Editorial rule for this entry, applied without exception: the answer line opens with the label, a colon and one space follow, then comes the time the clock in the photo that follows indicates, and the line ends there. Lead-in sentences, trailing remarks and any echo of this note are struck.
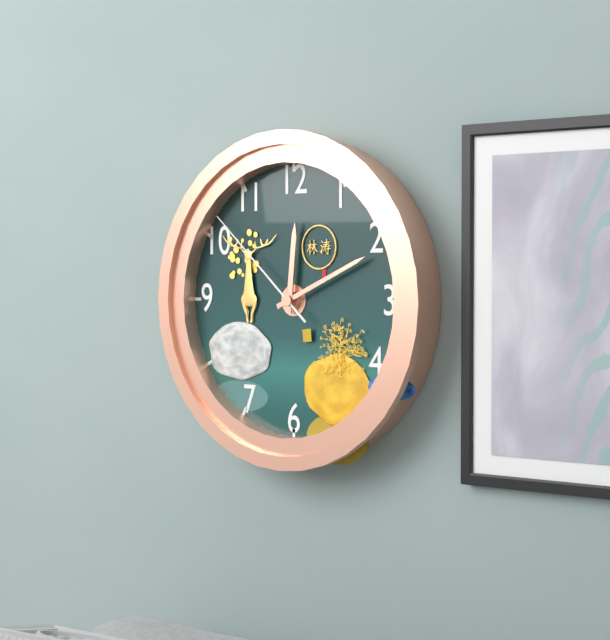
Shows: 12:11:52
